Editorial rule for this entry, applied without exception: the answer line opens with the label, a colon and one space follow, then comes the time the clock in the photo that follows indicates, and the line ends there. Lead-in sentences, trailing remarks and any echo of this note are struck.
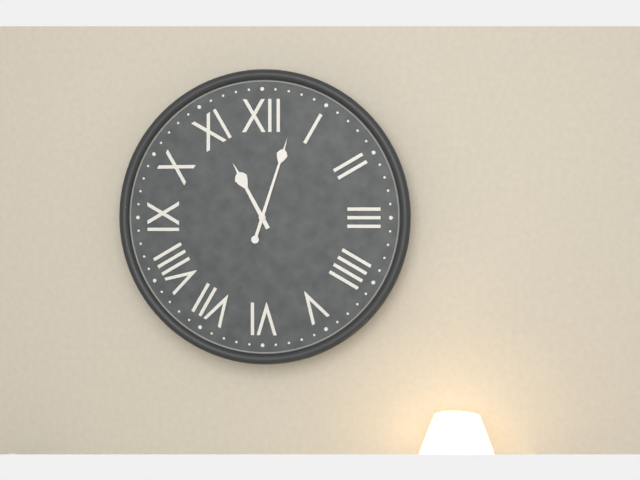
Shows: 11:03
